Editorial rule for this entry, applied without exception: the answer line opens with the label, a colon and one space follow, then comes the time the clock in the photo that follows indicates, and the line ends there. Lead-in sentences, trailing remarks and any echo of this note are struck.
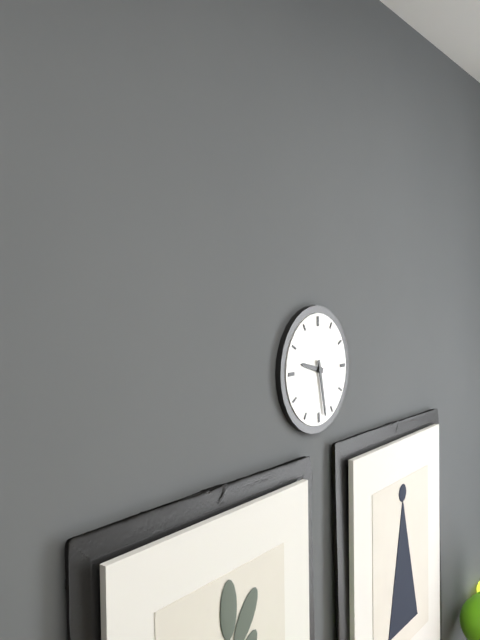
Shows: 9:28
